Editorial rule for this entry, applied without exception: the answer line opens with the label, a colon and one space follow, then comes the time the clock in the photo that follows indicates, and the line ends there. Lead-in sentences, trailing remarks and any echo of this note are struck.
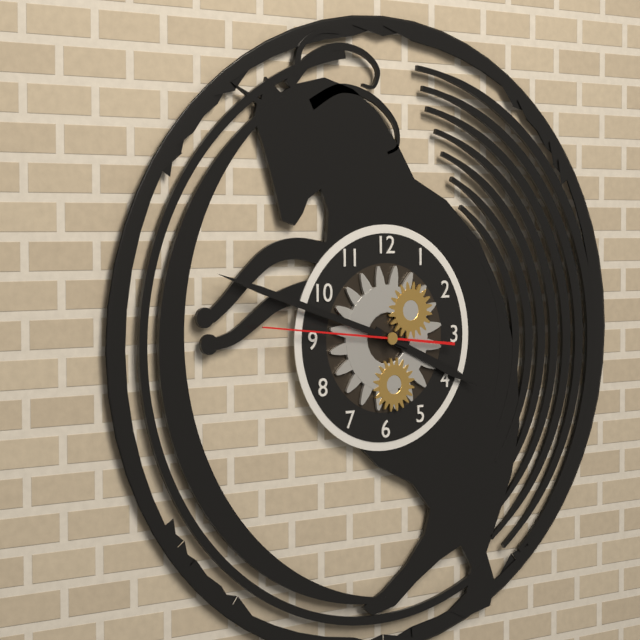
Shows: 3:48:46
